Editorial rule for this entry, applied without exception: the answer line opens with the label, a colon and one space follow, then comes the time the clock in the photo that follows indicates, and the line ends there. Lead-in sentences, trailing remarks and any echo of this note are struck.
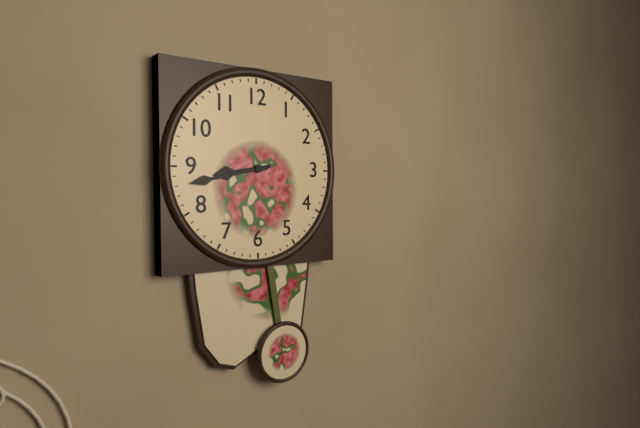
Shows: 8:43
